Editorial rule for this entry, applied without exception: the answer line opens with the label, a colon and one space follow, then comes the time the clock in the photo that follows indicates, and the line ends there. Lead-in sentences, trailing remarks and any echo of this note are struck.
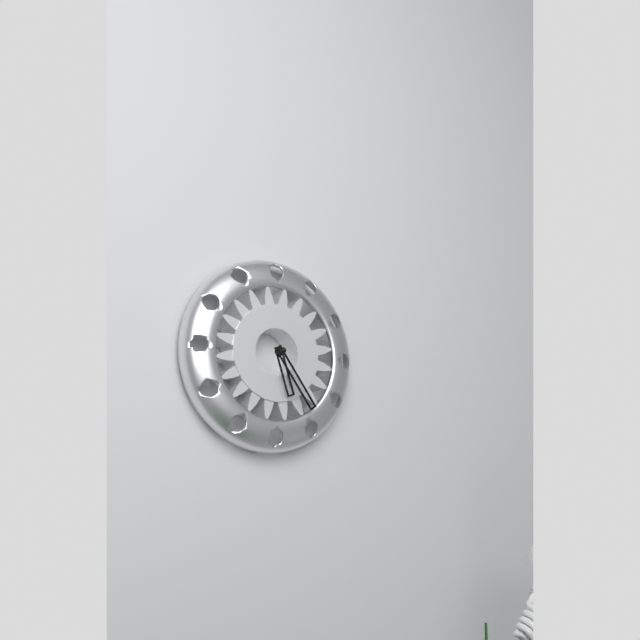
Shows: 5:24
